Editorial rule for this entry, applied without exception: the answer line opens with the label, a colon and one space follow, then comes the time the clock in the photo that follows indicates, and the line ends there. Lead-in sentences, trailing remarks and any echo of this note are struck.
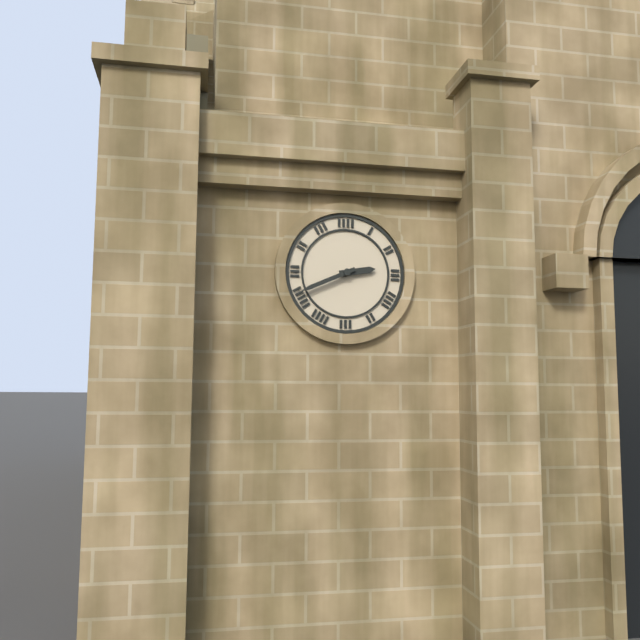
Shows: 2:41
